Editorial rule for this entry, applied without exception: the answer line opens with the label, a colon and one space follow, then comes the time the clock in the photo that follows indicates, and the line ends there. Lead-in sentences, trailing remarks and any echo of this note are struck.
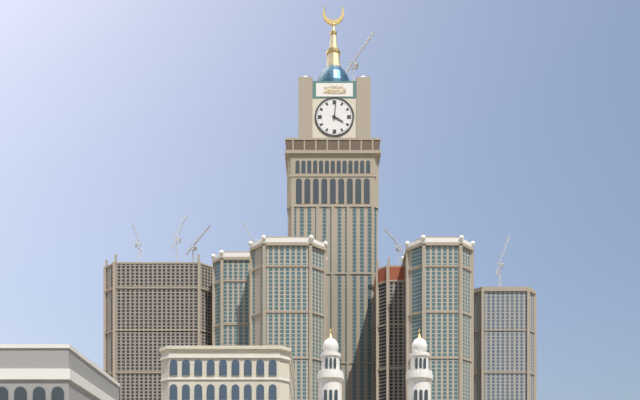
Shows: 4:01
